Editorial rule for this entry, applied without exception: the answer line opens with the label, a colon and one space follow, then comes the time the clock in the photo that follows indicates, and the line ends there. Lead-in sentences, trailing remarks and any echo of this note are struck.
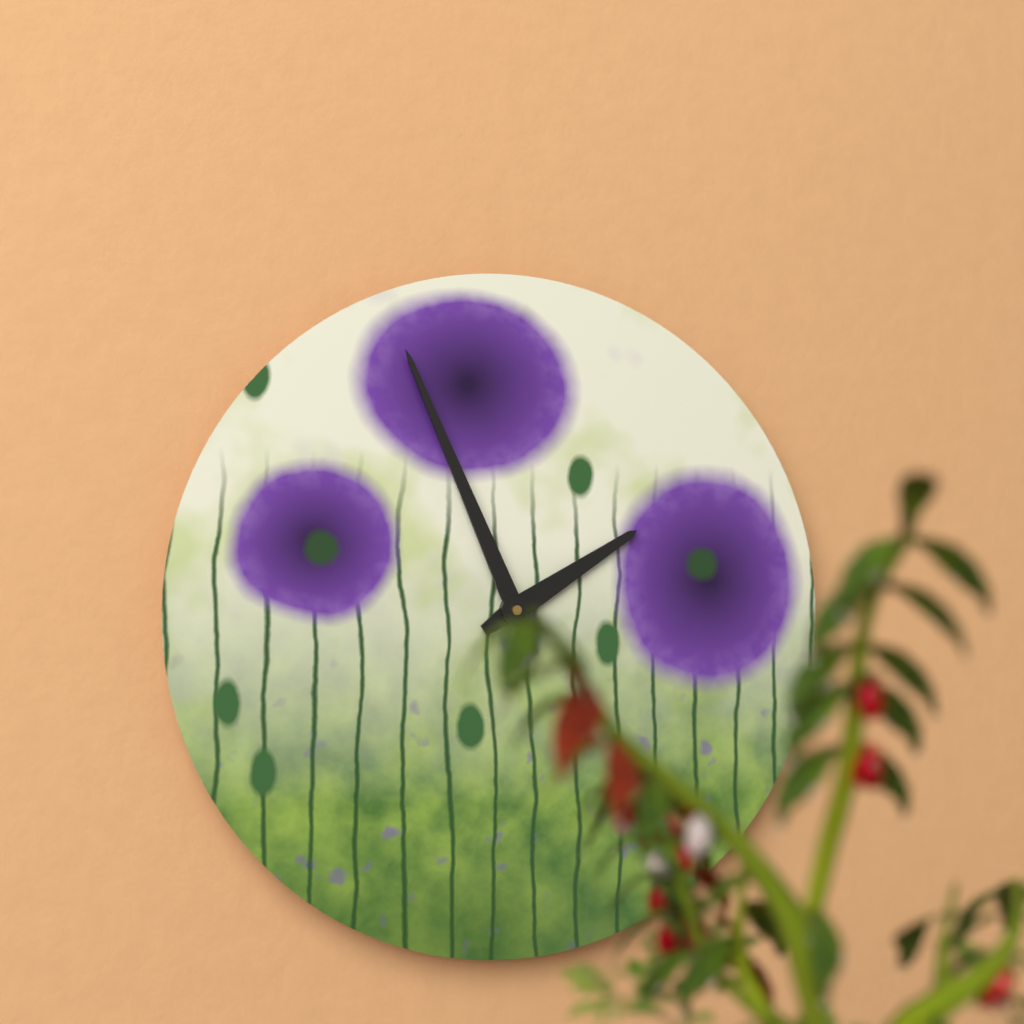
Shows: 1:56
